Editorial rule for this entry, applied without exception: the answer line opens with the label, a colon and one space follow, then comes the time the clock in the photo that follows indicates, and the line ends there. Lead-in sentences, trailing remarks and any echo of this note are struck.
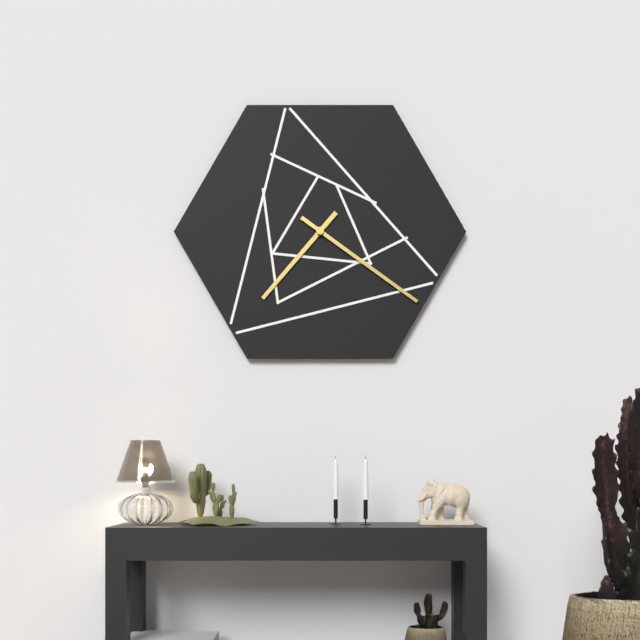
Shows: 7:21
